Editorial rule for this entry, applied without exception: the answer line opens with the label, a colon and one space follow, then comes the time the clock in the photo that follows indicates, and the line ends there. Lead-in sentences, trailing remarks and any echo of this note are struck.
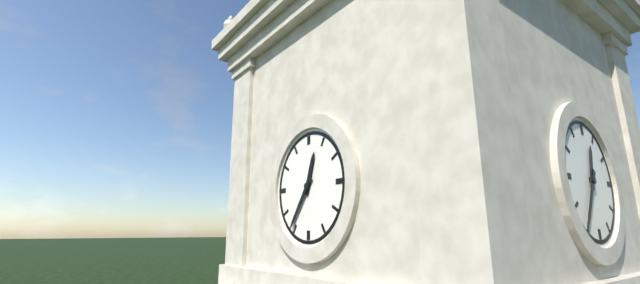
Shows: 12:36
